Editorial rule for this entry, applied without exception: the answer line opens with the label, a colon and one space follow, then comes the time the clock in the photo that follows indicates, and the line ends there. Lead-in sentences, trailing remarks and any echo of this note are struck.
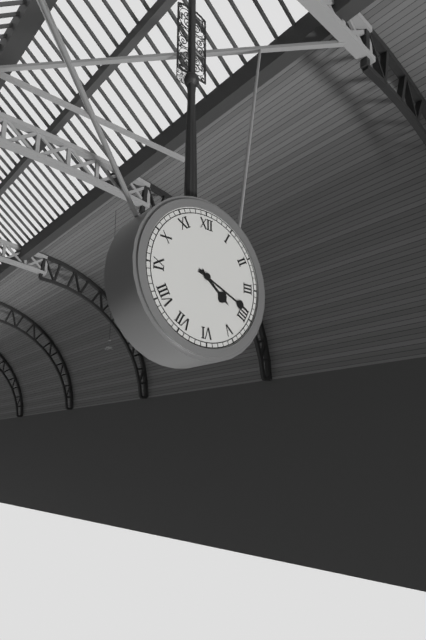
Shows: 4:19
